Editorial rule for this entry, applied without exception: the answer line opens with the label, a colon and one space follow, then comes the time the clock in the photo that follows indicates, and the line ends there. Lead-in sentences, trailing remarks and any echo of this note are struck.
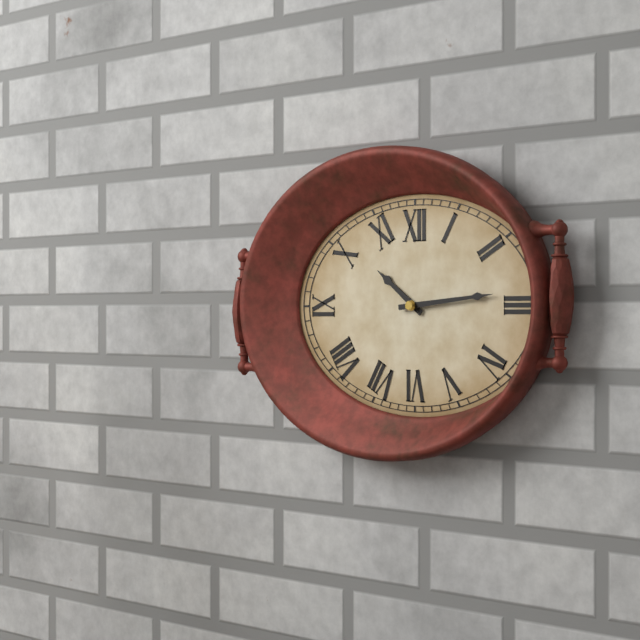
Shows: 10:14
